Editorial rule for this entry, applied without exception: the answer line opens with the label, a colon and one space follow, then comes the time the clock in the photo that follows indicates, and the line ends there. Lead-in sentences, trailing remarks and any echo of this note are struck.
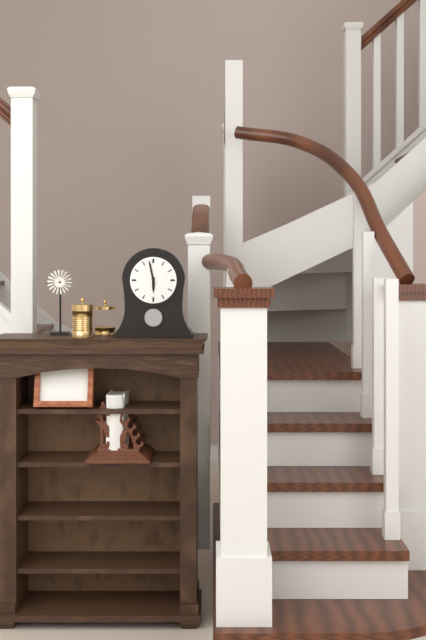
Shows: 5:58
